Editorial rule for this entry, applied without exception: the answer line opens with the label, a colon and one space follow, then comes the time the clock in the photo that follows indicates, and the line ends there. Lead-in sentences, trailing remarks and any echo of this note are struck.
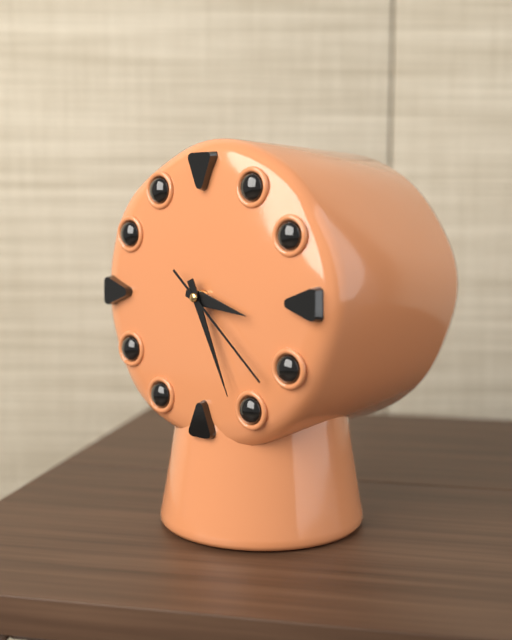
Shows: 3:26:22
